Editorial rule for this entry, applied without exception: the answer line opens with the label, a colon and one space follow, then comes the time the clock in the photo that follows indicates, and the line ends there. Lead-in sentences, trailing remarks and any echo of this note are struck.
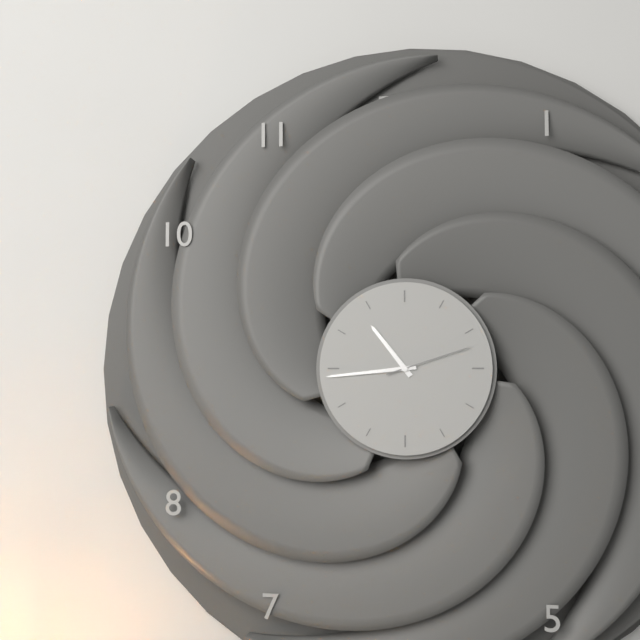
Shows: 10:44:12
